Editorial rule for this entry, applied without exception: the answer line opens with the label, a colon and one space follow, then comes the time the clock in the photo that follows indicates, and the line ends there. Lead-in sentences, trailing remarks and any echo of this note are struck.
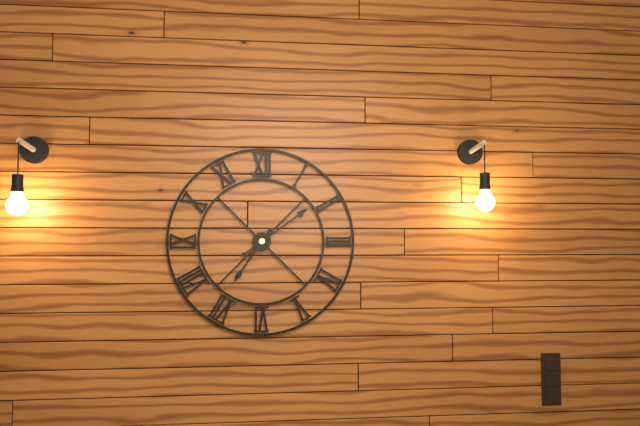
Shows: 7:09
